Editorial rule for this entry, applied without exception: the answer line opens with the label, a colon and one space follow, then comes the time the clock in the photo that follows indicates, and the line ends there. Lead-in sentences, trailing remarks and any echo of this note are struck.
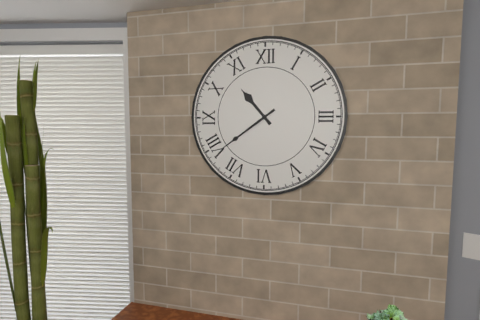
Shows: 10:39
